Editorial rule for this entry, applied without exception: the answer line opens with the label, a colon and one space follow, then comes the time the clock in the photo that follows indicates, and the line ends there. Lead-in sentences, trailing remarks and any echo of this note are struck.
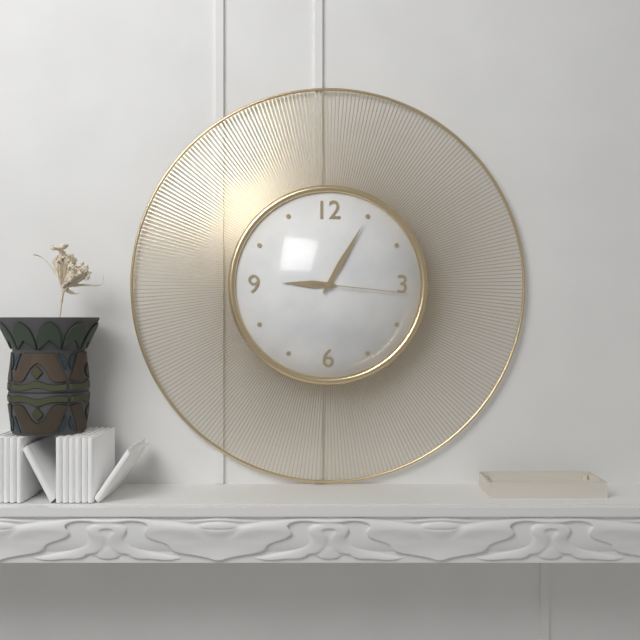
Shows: 9:05:16
